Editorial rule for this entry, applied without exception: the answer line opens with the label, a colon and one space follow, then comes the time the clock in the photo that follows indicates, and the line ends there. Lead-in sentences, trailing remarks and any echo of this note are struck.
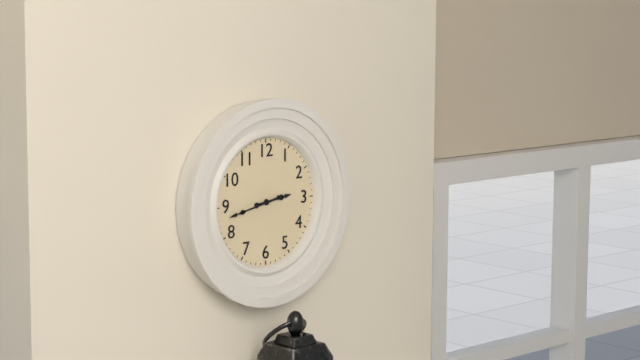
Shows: 2:43
